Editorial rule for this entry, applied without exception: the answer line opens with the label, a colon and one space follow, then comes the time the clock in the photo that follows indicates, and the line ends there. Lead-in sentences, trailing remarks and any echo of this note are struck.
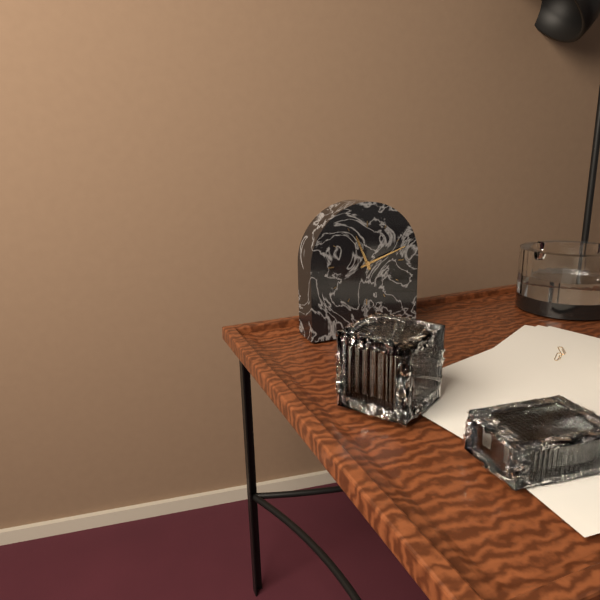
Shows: 11:12
